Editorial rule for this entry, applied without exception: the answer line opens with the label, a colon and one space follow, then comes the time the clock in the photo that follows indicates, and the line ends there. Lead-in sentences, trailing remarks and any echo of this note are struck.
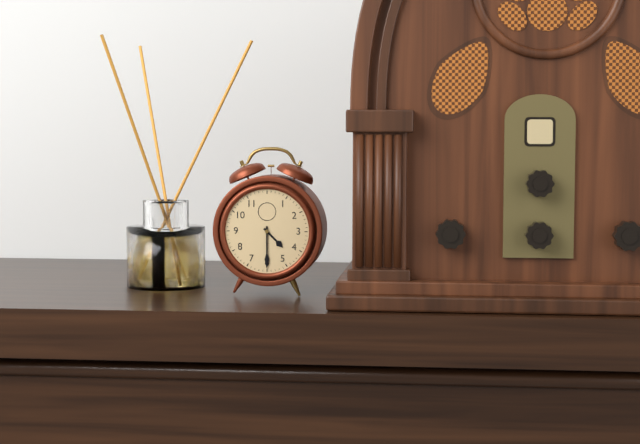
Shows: 4:30
